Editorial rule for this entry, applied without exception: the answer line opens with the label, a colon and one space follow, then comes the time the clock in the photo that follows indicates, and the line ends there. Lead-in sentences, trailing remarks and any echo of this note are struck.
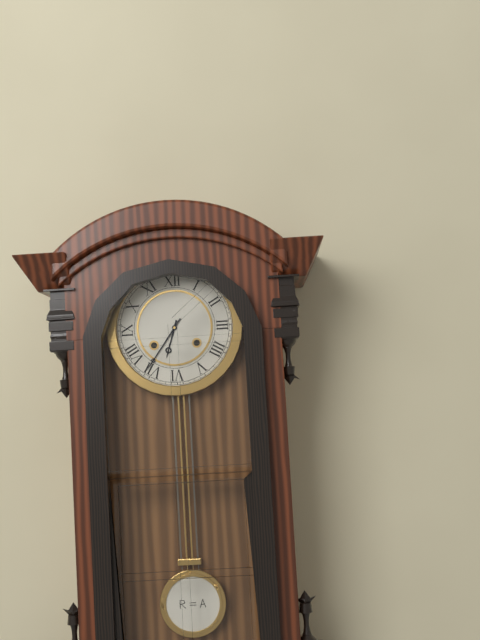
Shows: 6:36
